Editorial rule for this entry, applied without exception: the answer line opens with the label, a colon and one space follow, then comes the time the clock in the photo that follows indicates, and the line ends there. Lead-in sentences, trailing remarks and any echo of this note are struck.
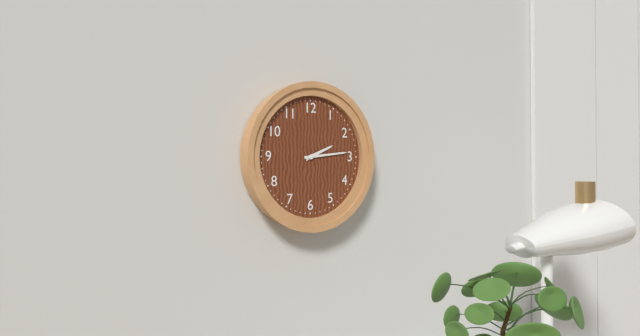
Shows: 2:14
